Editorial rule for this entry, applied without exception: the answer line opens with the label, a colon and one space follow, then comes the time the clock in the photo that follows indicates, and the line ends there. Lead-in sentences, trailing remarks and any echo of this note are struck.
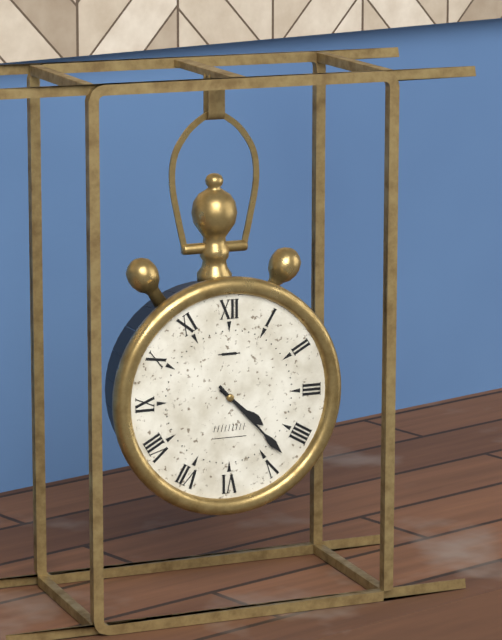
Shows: 4:23
